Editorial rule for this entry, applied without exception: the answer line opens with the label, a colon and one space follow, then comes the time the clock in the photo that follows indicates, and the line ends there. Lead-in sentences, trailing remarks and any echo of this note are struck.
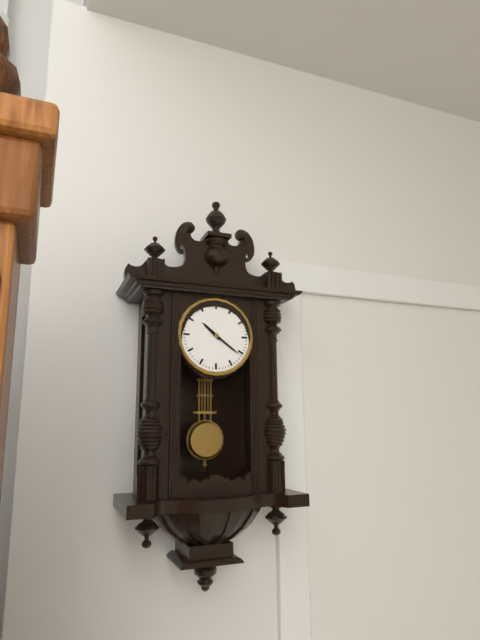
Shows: 10:21
